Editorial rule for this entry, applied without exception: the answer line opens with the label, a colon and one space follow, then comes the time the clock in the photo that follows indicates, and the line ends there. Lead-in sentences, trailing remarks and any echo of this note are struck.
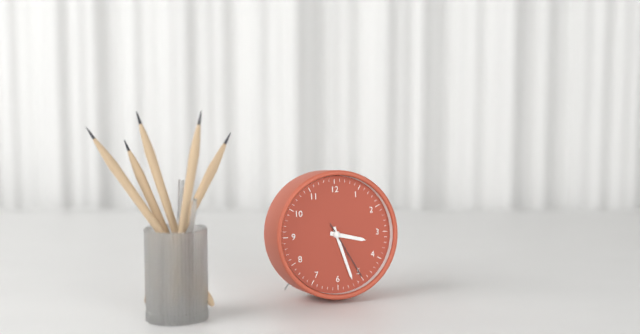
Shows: 3:27:25
